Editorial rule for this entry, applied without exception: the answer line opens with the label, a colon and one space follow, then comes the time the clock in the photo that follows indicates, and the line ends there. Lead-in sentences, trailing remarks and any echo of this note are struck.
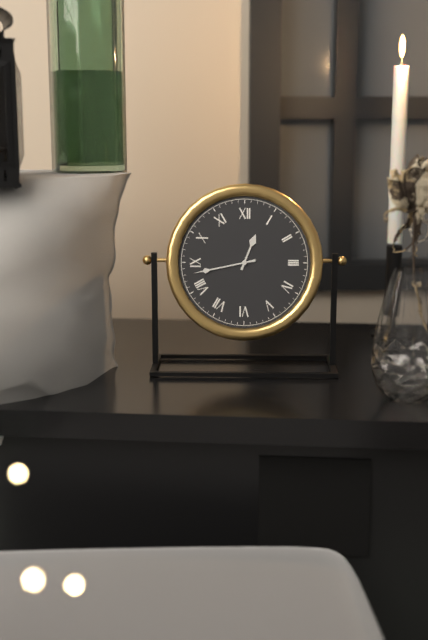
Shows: 12:43
